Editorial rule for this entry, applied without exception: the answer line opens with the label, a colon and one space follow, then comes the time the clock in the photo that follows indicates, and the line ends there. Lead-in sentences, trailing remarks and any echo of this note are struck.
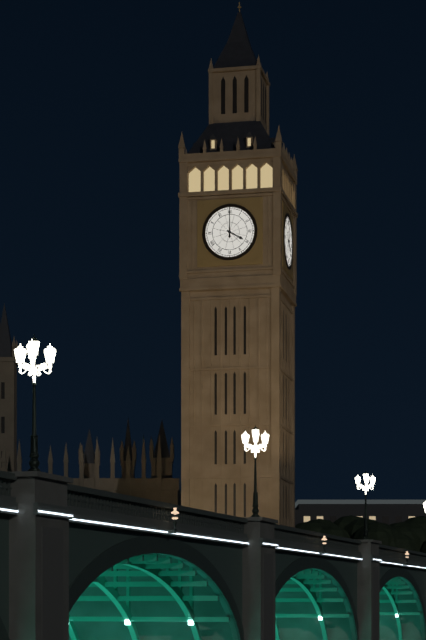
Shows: 4:00
